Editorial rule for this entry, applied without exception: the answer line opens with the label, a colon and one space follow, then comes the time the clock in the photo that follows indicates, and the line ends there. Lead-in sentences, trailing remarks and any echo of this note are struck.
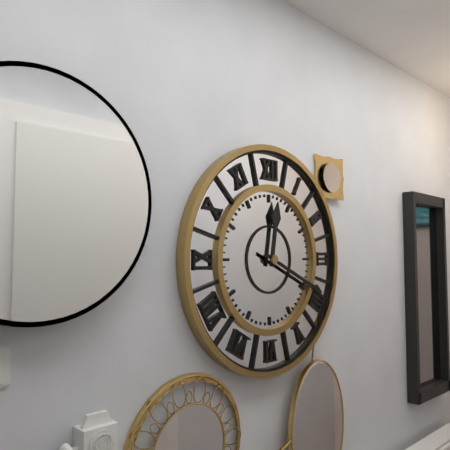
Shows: 12:19
